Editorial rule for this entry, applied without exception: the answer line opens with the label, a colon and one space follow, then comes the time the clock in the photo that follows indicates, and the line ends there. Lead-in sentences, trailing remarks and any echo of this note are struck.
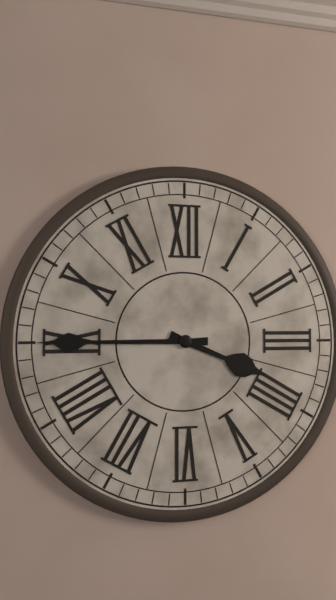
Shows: 3:45
